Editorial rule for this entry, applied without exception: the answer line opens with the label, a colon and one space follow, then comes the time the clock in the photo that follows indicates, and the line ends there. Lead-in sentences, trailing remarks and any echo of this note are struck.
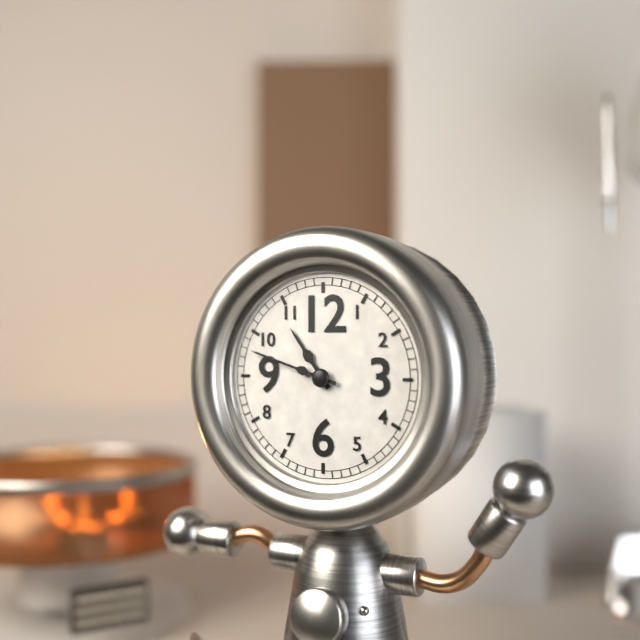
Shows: 10:48
